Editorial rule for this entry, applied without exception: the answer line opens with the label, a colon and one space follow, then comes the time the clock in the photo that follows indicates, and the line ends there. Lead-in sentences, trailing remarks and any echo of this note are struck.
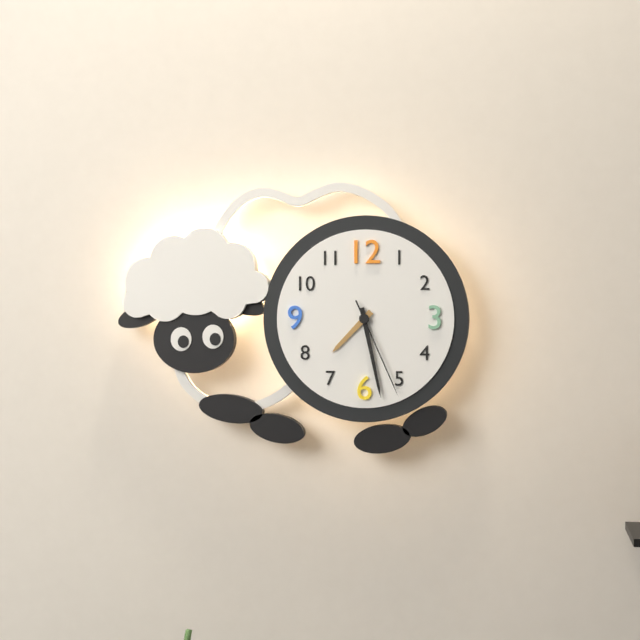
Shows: 7:28:26
